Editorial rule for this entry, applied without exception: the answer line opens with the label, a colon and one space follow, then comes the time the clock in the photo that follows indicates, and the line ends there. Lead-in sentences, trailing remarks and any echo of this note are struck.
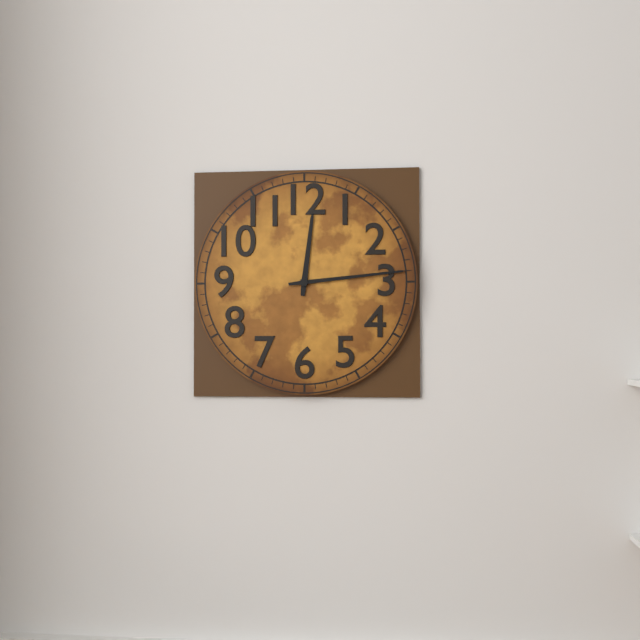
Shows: 12:14
